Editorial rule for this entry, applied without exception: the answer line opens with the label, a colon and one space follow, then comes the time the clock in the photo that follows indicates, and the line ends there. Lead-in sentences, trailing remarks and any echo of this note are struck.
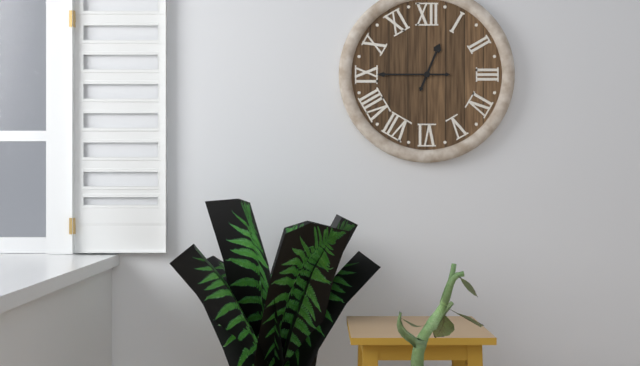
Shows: 12:45
